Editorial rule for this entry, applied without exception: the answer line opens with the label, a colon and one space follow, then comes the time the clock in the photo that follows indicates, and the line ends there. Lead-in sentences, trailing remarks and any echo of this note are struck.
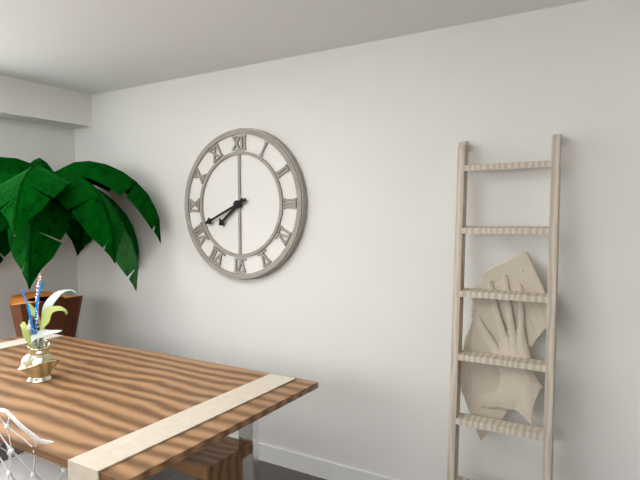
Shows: 7:41
